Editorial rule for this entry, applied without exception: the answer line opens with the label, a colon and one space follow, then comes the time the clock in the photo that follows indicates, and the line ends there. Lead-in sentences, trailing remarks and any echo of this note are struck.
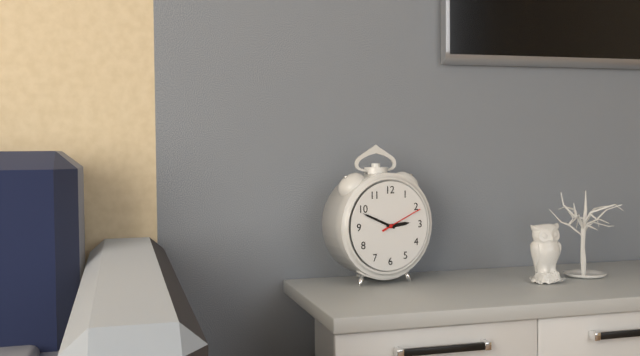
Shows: 2:49
